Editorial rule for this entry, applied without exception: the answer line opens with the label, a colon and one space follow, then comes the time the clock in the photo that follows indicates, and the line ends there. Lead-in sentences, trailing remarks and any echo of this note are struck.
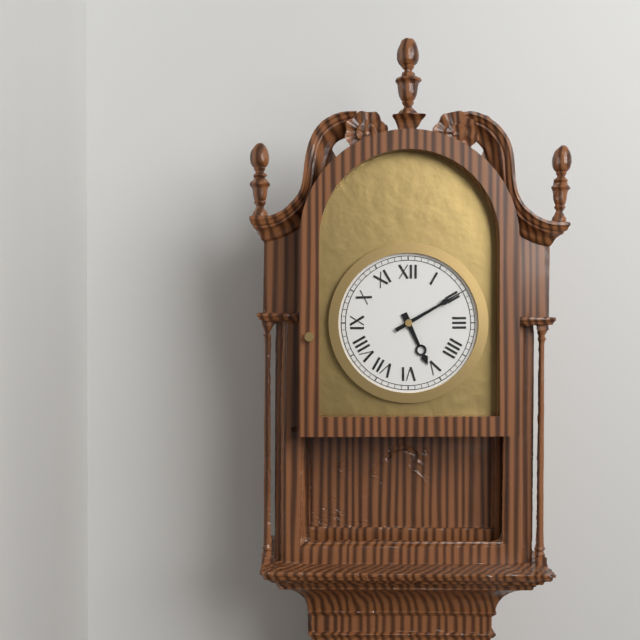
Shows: 5:10
